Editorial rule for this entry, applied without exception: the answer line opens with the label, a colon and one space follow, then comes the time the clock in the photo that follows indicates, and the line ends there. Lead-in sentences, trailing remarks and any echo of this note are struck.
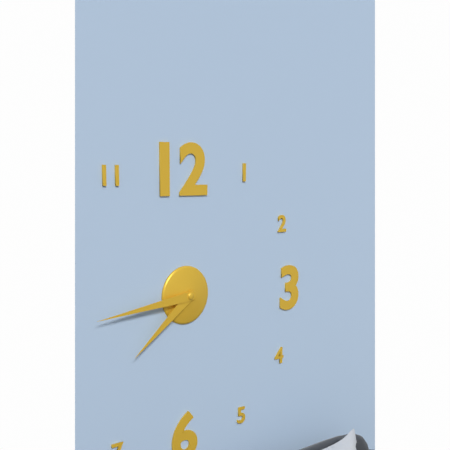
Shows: 7:44
